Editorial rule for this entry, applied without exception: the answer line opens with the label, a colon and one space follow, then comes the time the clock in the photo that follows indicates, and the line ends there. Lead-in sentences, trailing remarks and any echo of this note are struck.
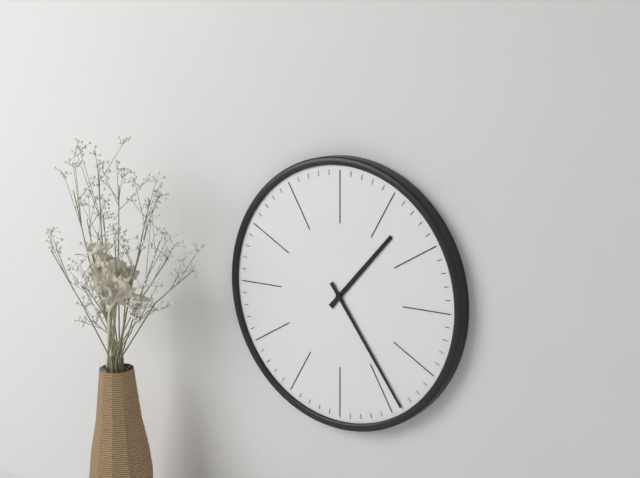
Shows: 1:24
